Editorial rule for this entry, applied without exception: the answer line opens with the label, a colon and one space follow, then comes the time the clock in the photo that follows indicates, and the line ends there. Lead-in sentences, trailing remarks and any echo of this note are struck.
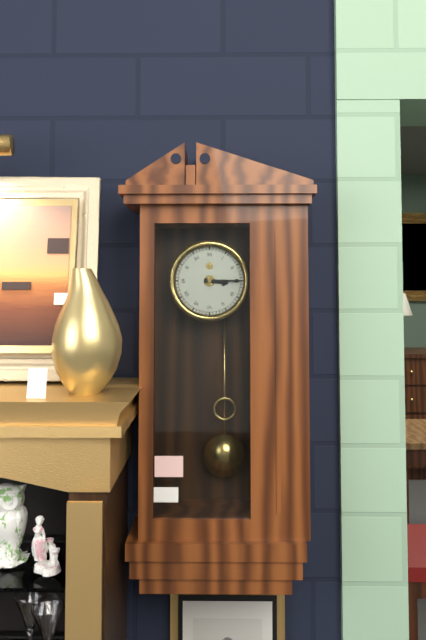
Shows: 3:15
